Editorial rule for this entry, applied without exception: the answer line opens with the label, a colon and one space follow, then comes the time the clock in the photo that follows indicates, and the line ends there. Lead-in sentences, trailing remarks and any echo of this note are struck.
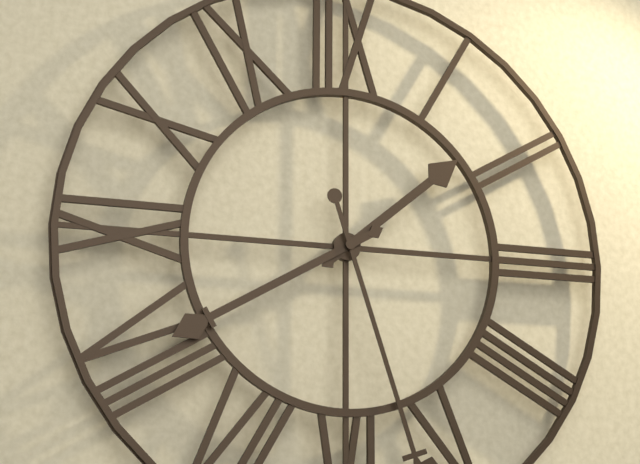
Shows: 1:40
